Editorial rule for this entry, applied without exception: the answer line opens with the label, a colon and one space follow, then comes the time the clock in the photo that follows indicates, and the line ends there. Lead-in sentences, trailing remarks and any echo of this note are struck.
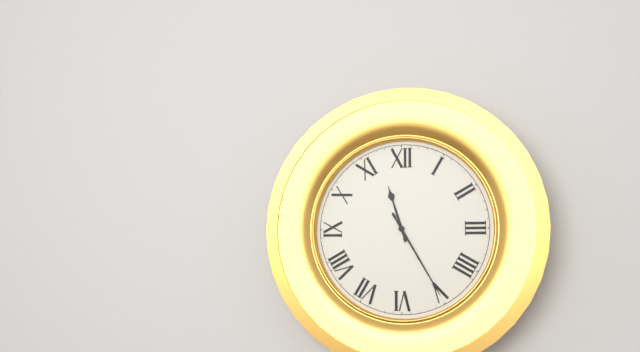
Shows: 11:25
